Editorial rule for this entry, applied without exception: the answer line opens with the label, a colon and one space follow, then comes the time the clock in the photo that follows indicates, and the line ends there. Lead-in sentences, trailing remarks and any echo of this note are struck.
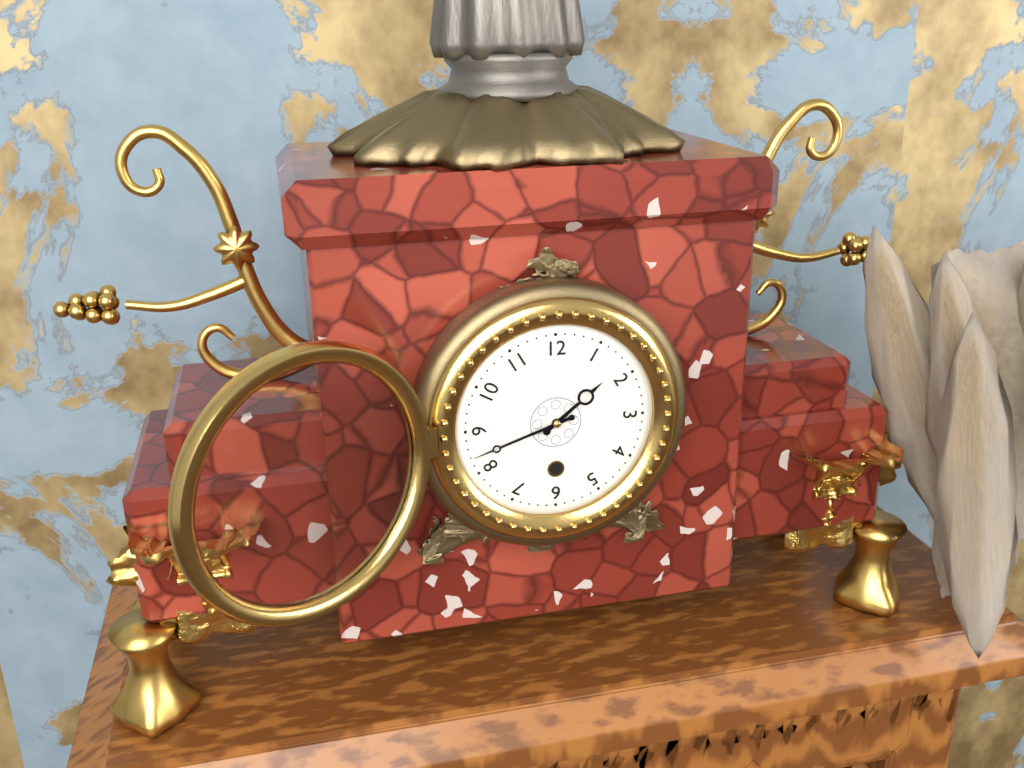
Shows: 1:42
